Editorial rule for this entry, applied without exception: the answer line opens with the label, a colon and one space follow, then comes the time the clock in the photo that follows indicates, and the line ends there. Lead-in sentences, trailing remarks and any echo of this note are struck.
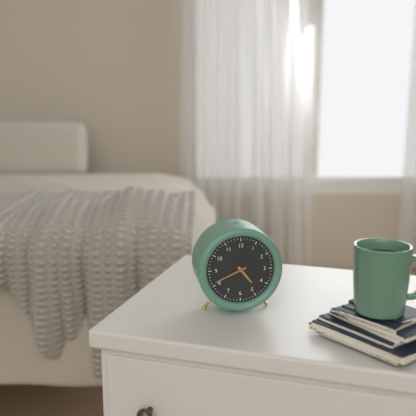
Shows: 4:41
